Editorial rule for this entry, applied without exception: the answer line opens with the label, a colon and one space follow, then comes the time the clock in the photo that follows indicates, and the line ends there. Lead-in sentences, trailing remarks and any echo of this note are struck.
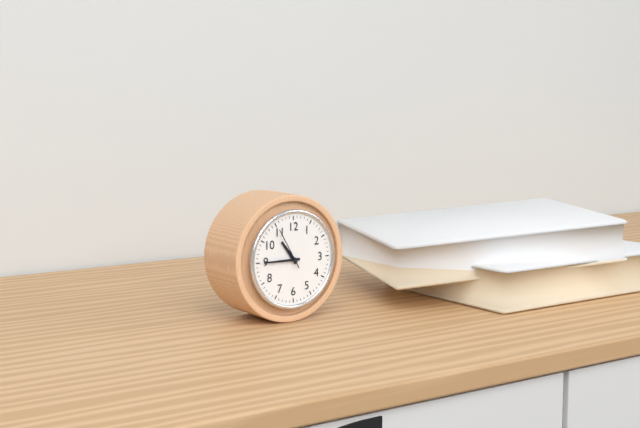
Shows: 10:45
